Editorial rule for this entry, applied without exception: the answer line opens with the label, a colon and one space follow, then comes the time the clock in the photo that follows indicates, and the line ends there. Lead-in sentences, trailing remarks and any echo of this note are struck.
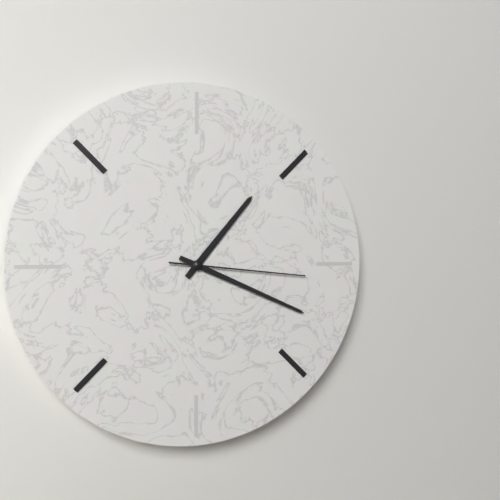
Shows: 1:19:16
